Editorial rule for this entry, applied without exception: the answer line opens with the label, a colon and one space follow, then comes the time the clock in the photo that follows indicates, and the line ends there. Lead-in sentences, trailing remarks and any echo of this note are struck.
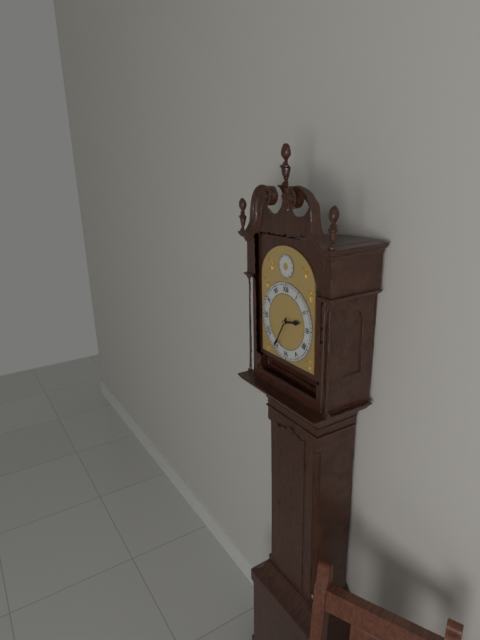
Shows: 2:35
